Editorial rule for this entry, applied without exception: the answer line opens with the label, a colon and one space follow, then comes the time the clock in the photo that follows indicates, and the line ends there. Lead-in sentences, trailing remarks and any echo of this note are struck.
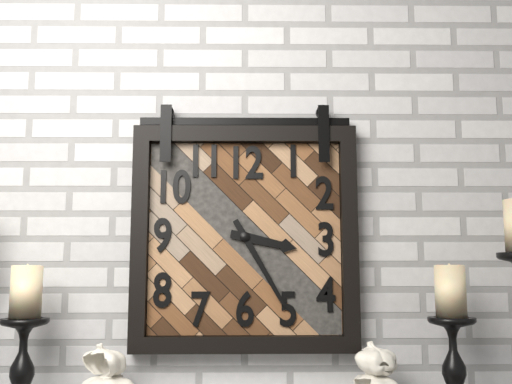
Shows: 3:25
